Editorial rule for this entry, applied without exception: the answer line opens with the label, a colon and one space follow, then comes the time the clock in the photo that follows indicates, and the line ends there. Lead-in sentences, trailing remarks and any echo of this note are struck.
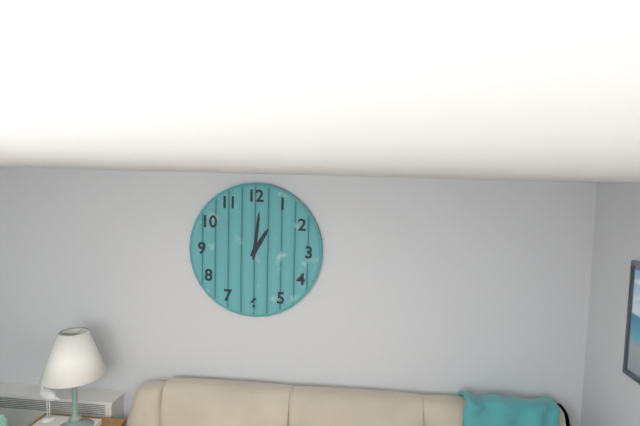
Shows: 1:01
